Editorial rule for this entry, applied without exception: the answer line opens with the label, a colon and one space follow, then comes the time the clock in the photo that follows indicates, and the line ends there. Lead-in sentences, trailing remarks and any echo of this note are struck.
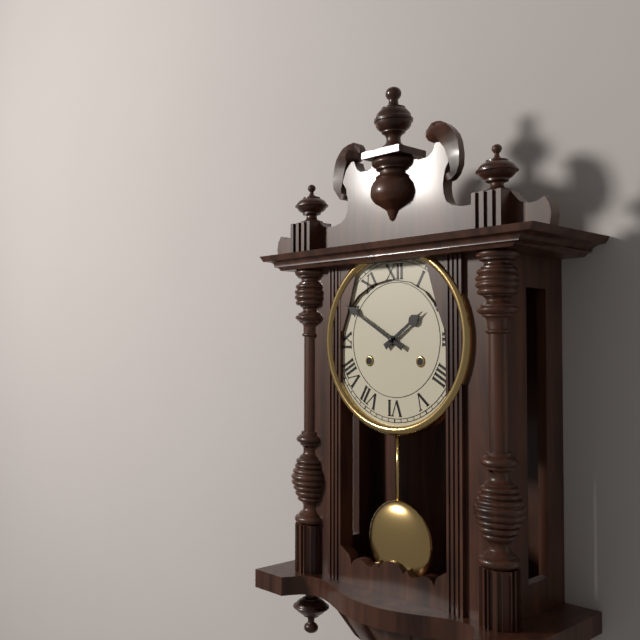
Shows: 1:50
